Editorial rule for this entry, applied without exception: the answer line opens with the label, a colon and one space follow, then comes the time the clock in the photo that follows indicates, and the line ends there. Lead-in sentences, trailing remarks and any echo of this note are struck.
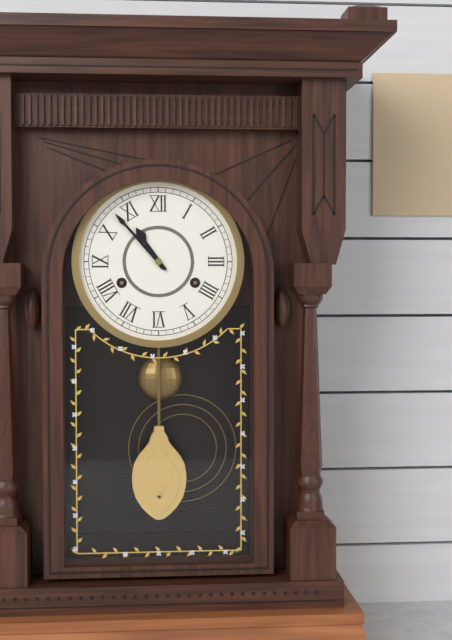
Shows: 10:53
